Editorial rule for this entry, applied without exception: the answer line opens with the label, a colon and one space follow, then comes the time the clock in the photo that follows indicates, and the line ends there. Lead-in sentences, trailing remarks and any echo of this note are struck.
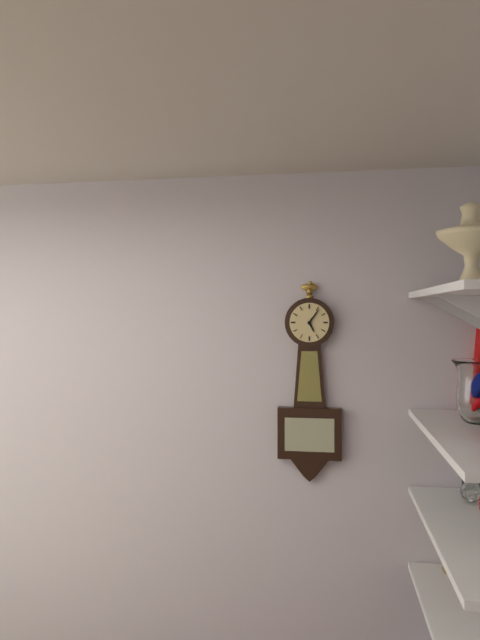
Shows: 5:06
